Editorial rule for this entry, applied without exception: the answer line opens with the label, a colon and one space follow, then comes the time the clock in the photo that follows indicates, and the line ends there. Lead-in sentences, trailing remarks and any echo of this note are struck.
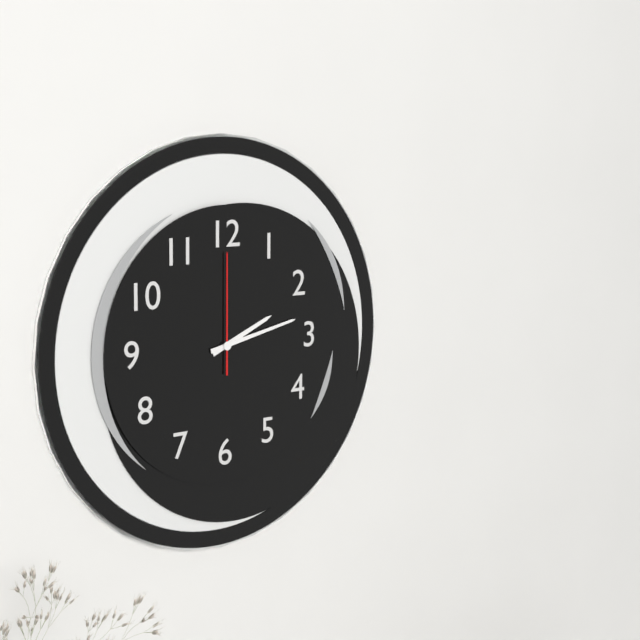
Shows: 2:13:00
